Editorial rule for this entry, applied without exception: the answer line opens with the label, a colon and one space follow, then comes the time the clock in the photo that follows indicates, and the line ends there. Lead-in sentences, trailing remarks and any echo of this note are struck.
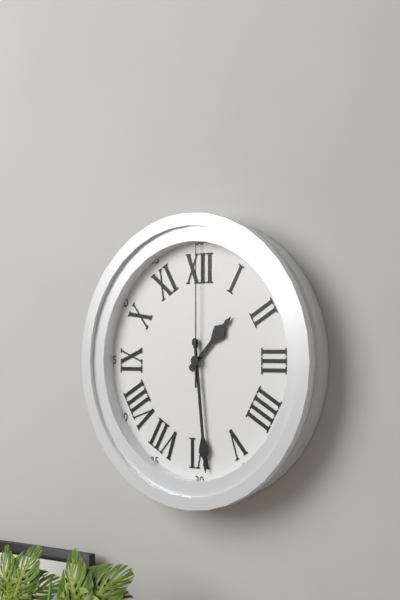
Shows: 1:29:00
